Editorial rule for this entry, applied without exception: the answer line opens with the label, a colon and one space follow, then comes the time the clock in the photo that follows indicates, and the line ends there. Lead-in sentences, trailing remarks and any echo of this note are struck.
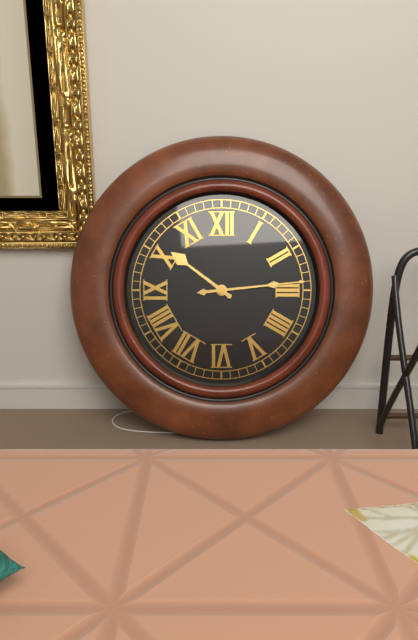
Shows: 10:14
